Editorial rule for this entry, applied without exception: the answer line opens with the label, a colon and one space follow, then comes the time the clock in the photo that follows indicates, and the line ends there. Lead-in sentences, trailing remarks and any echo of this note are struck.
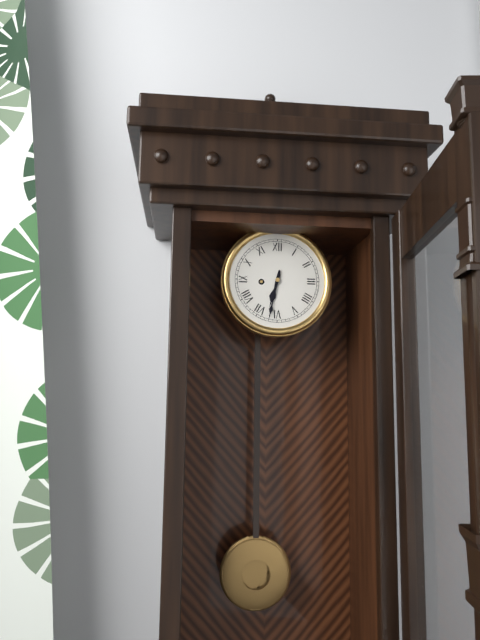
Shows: 6:32
